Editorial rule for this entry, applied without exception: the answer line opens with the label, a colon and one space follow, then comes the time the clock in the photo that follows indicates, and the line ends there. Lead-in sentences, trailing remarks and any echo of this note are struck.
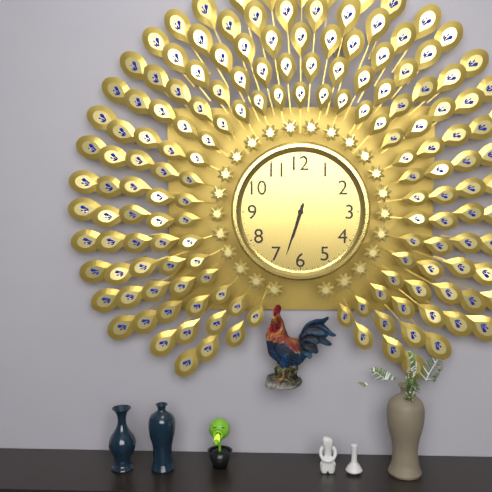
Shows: 6:33
